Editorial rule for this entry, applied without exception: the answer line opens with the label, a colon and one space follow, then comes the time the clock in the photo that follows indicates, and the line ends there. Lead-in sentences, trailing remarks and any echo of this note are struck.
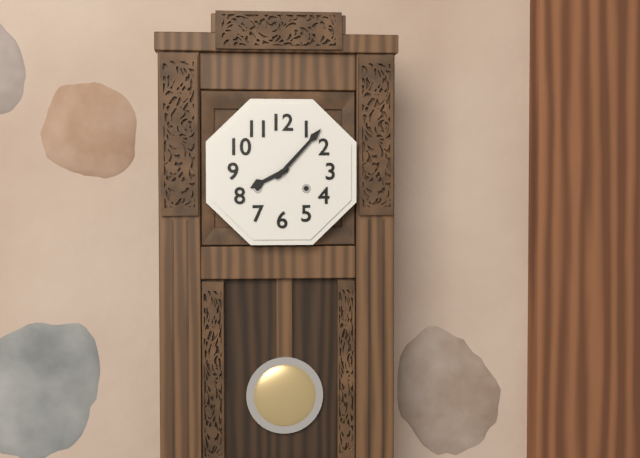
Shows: 8:07
